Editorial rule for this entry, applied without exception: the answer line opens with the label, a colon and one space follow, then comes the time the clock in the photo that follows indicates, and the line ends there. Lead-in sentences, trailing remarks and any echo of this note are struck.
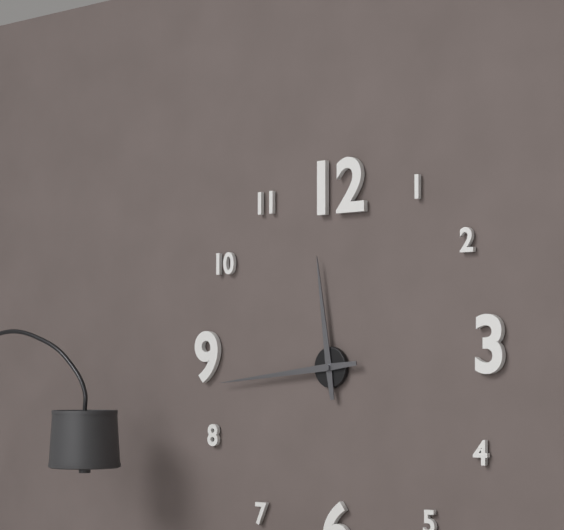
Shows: 11:44
